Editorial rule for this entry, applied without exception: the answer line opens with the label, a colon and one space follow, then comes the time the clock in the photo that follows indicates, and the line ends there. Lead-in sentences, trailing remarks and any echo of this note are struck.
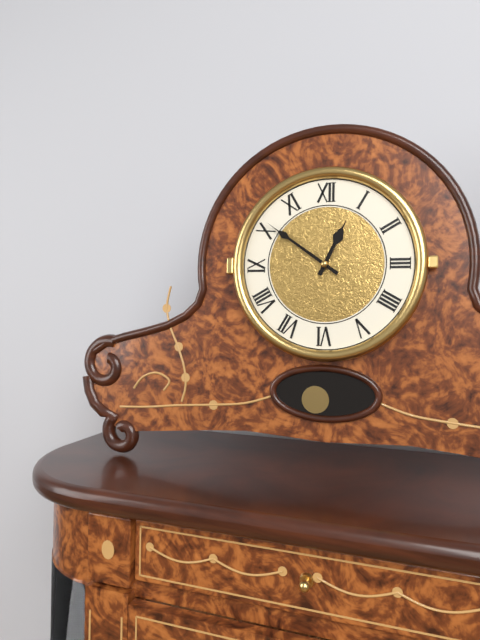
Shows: 12:51
